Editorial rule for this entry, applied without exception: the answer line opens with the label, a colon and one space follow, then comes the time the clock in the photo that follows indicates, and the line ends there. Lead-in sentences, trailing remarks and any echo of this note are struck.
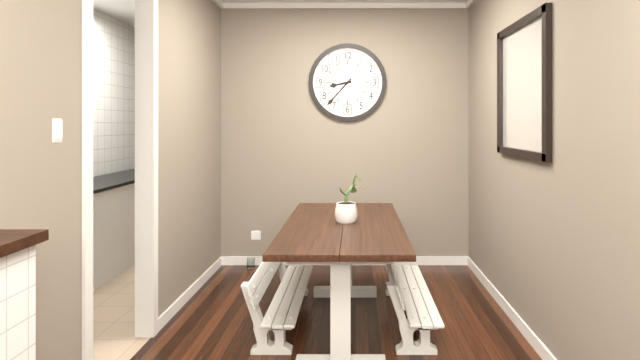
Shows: 8:37
